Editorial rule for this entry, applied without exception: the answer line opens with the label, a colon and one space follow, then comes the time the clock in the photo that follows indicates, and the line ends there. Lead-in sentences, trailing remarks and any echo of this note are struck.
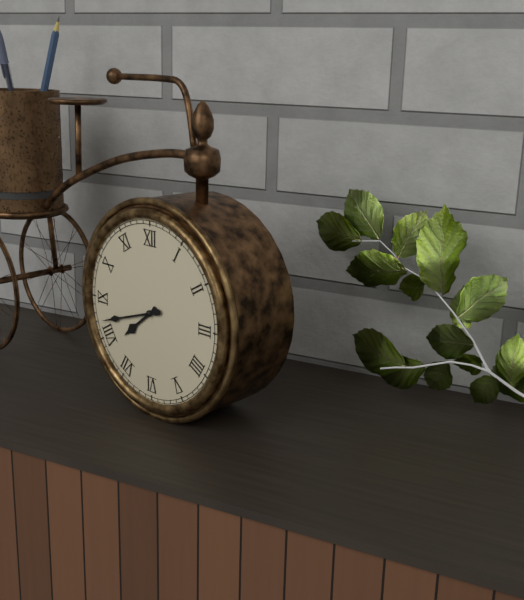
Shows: 7:42
